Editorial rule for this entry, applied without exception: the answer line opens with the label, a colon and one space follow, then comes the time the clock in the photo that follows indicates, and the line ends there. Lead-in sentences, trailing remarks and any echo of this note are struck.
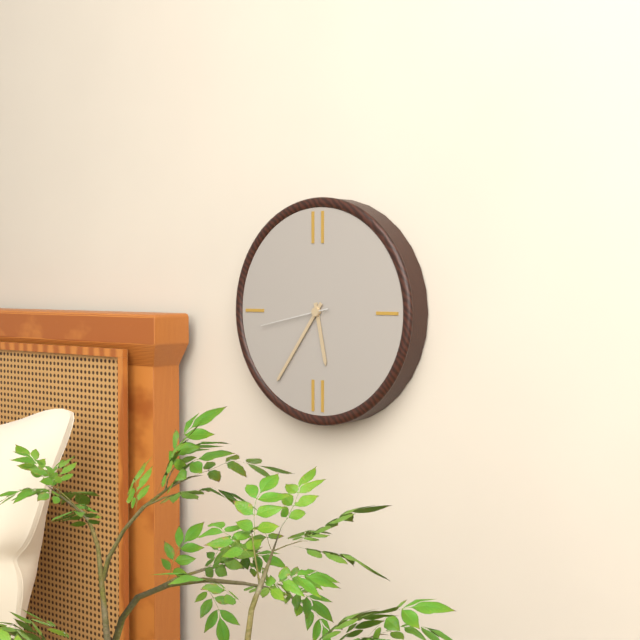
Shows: 5:36:43
